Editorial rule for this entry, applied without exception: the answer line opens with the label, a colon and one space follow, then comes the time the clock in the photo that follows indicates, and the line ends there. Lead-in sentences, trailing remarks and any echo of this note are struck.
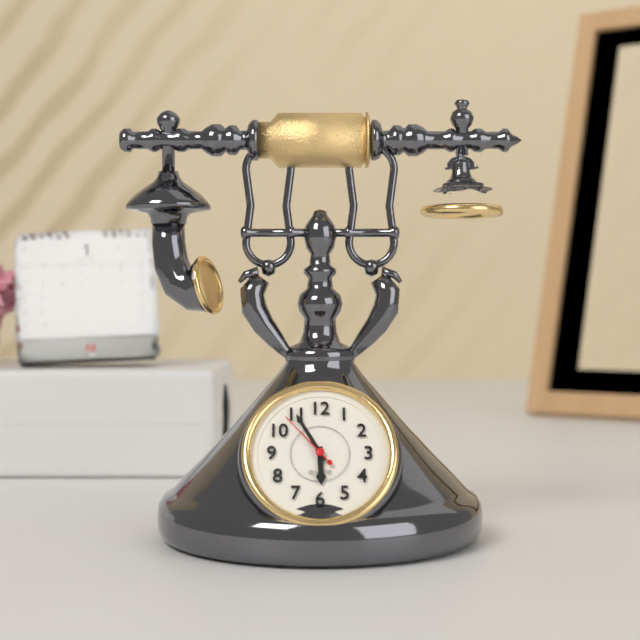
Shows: 5:55:53
